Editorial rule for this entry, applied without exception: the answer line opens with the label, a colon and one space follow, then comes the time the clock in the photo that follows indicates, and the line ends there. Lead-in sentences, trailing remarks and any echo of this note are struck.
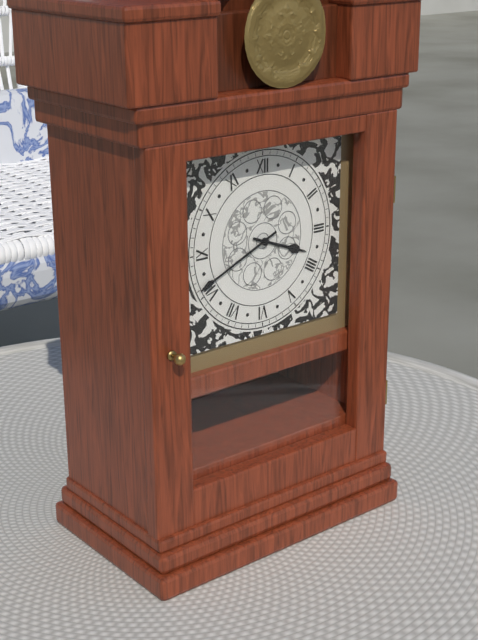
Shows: 3:41
